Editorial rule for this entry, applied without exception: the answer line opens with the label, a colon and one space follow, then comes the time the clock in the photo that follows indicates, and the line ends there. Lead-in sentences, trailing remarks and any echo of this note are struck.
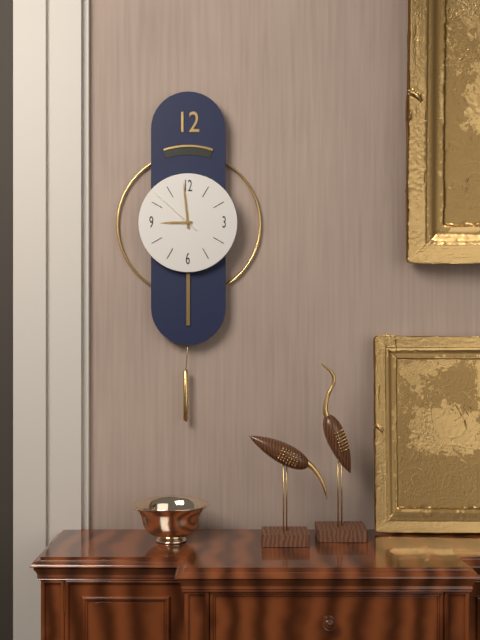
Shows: 8:59:52
